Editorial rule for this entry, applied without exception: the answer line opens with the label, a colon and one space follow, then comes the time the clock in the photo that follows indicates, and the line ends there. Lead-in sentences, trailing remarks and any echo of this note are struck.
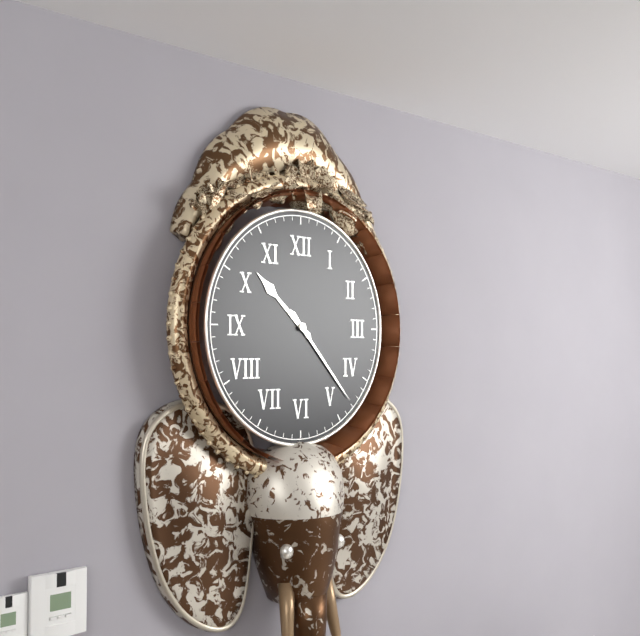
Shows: 10:23
